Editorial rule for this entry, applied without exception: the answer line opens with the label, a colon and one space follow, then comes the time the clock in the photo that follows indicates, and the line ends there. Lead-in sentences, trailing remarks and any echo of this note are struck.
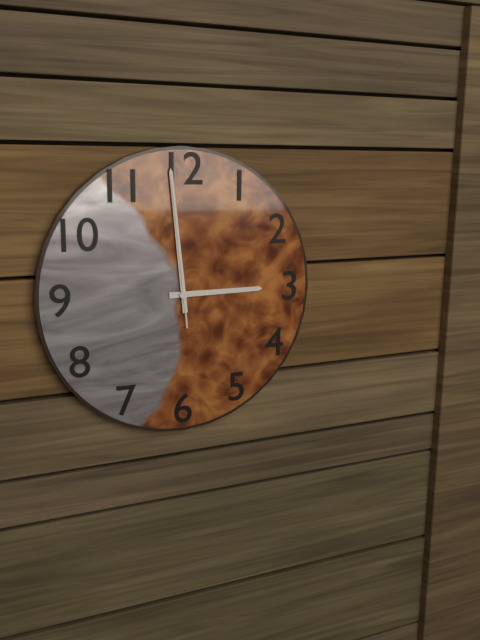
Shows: 2:59:59
